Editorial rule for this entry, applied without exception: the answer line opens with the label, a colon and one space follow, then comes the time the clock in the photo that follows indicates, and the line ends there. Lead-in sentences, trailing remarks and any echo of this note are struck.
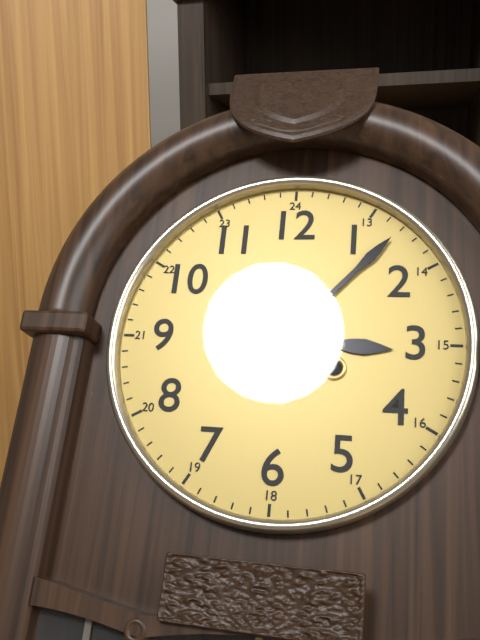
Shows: 3:07
